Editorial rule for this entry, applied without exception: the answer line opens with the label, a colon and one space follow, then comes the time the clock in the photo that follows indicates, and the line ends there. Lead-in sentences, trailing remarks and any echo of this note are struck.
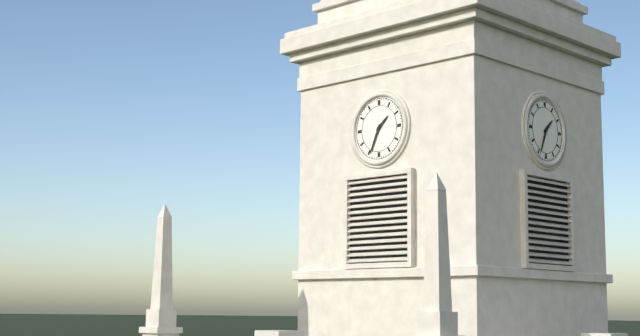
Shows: 1:34
